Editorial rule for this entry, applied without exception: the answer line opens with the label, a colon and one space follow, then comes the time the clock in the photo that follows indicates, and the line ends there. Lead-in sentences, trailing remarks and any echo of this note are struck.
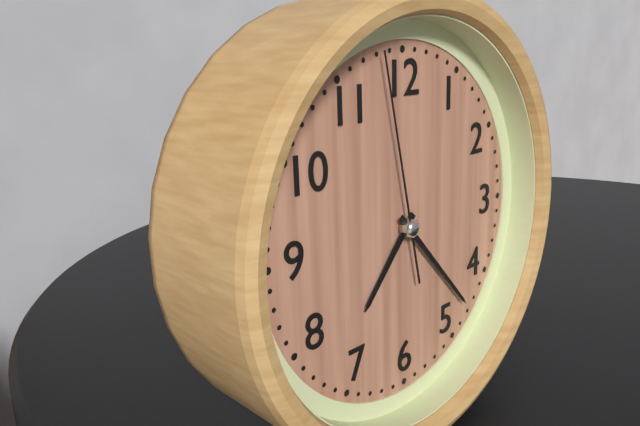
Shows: 7:23:58
